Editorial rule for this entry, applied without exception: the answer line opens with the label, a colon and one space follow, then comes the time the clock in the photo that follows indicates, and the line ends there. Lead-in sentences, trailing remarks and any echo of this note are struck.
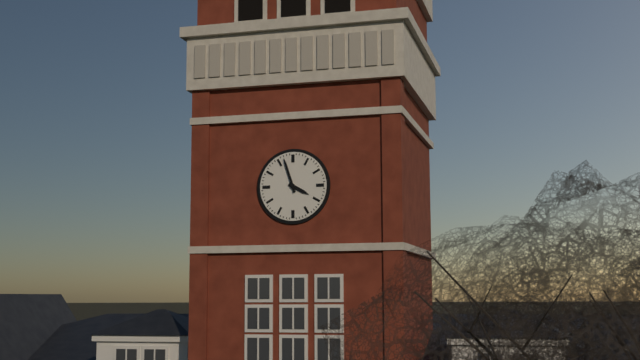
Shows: 3:57
